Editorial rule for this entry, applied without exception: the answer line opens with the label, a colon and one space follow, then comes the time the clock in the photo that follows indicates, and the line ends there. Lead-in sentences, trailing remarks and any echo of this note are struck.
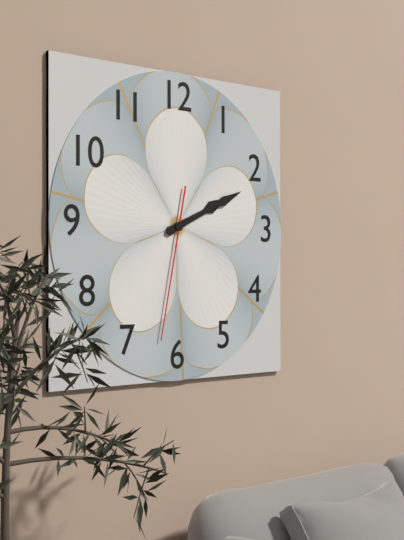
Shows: 2:11:32
